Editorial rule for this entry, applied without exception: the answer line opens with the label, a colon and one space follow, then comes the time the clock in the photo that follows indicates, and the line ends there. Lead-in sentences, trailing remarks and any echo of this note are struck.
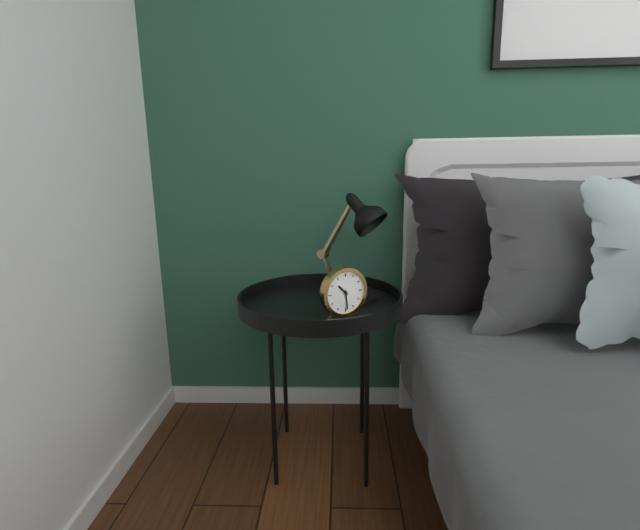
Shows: 10:29
